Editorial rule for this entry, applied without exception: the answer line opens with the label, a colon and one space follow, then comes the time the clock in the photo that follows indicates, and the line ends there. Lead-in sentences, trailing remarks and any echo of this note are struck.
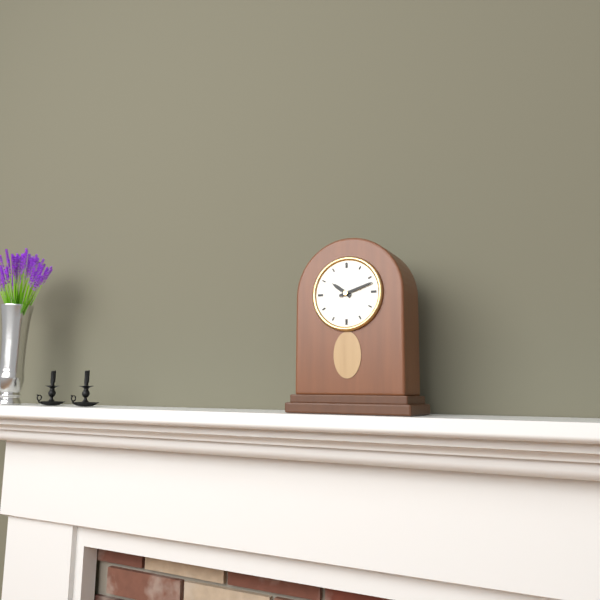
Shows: 10:12
